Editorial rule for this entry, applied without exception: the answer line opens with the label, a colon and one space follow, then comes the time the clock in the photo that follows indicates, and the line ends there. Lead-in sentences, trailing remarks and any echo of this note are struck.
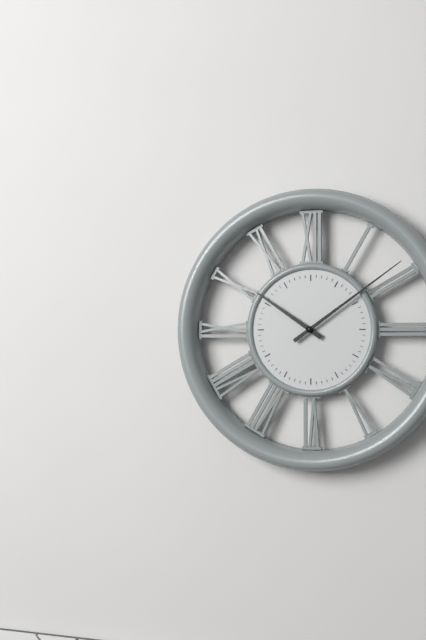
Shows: 10:09
